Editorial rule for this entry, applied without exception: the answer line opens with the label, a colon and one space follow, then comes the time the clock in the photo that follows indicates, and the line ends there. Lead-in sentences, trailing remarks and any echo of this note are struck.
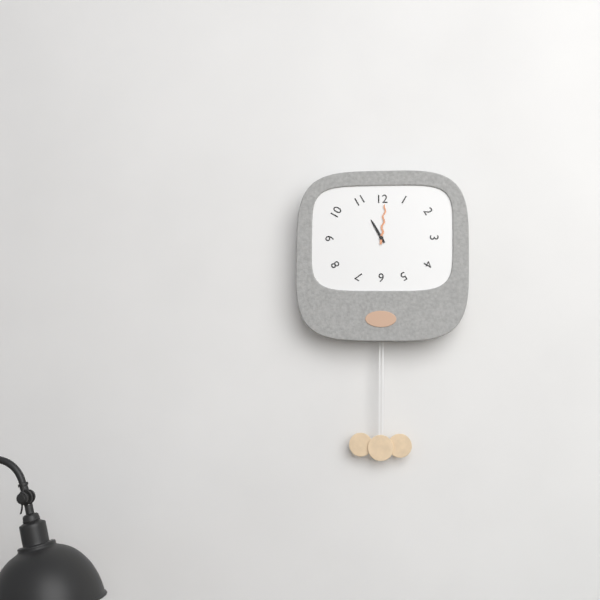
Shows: 11:01
